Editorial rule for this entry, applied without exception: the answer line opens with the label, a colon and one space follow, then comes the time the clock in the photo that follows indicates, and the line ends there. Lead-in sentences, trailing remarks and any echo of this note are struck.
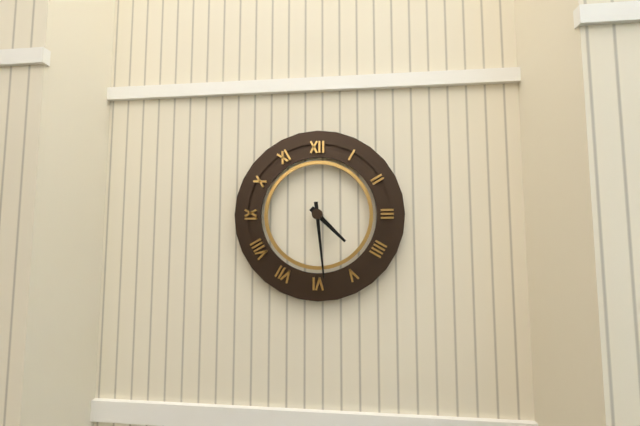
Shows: 4:29
